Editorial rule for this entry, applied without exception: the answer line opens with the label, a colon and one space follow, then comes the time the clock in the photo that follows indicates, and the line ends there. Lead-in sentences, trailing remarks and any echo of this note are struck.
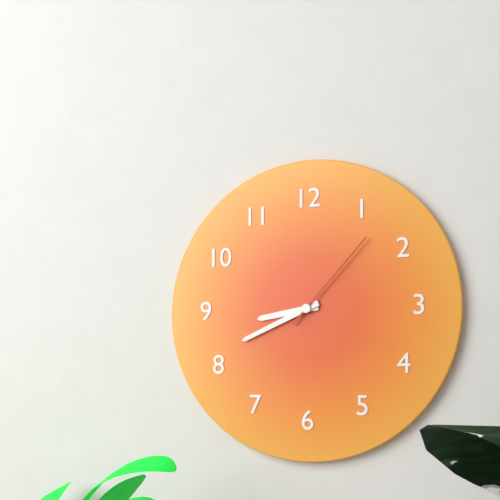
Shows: 8:41:07
